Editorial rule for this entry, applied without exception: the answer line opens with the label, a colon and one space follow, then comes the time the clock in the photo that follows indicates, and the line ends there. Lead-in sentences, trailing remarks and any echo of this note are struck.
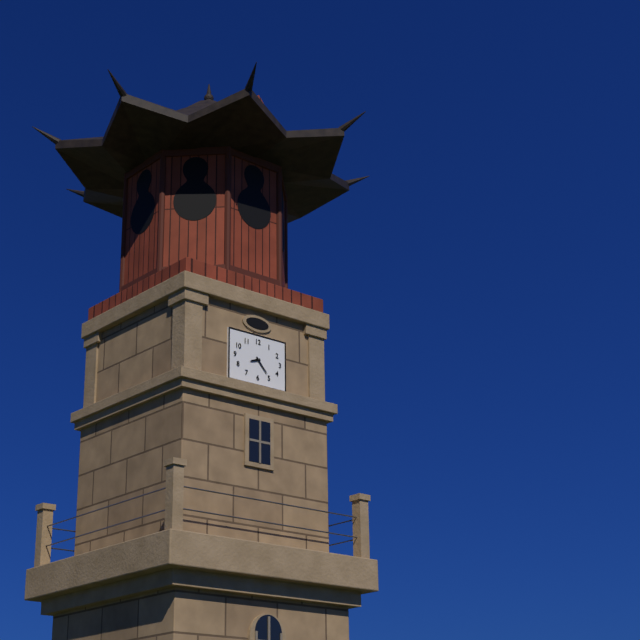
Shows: 8:23
